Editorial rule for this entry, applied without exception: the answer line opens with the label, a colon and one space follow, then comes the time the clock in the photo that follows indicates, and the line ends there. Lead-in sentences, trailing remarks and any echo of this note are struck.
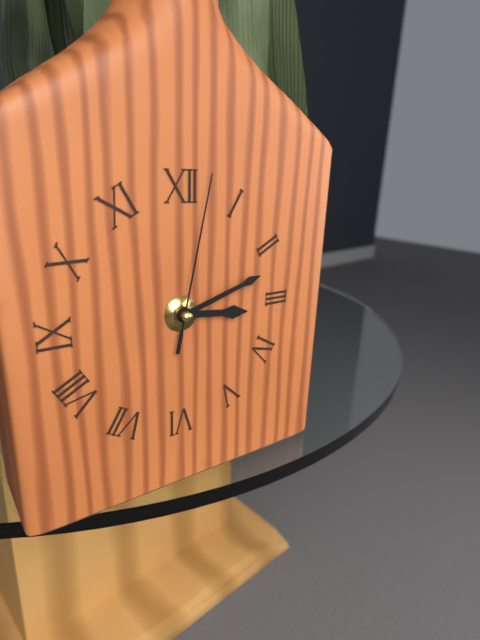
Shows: 3:12:02
